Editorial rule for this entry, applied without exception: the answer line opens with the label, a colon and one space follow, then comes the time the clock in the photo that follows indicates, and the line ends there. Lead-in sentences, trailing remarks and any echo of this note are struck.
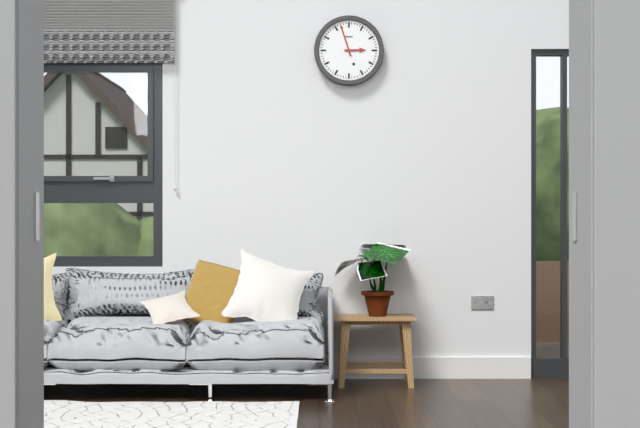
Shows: 2:57
